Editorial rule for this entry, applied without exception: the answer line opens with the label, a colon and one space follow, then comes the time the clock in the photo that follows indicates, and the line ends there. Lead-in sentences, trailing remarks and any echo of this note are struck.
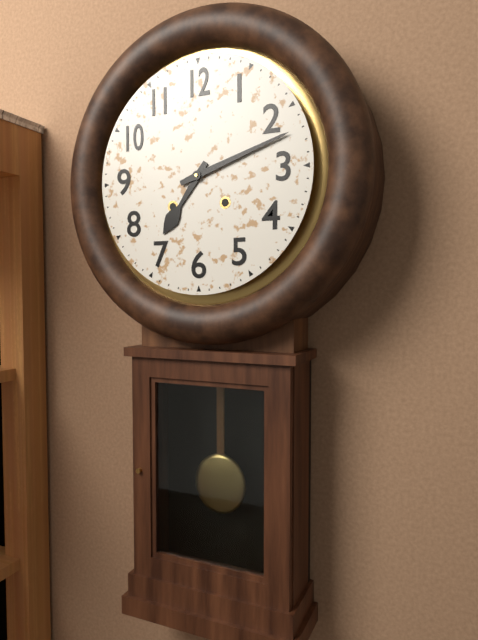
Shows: 7:12
